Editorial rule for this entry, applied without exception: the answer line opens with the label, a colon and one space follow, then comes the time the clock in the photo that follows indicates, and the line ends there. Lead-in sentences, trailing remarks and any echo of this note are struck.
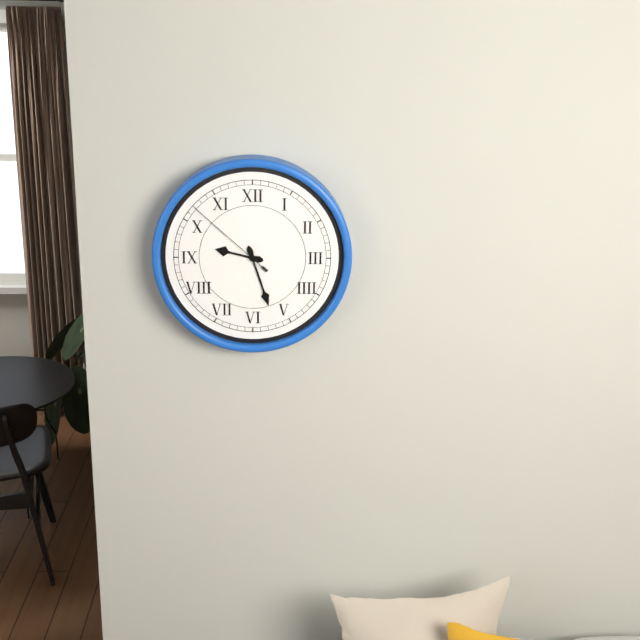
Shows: 9:27:52
